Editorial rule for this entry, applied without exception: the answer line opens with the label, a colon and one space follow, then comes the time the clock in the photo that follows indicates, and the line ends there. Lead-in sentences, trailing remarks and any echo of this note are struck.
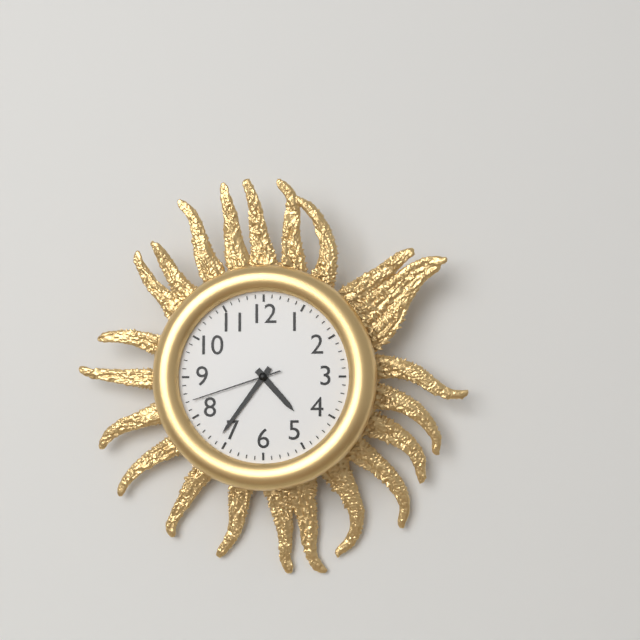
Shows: 4:36:42
